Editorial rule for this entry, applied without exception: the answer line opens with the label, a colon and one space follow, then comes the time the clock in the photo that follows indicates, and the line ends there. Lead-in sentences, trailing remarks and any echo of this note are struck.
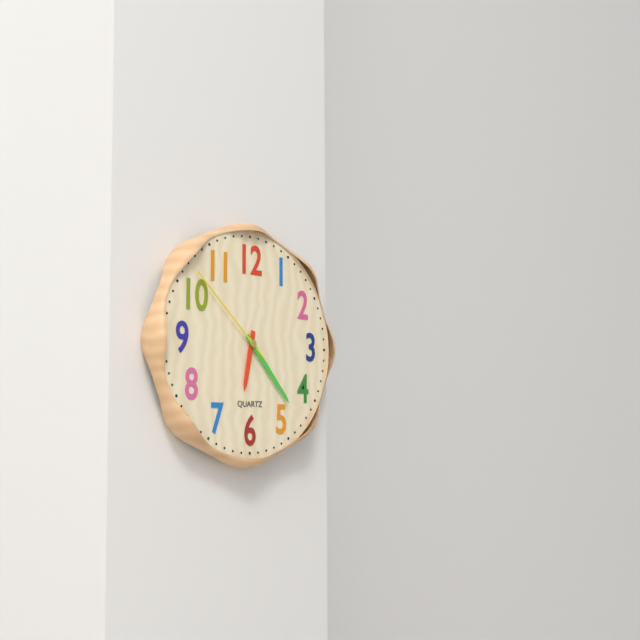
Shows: 6:23:52
